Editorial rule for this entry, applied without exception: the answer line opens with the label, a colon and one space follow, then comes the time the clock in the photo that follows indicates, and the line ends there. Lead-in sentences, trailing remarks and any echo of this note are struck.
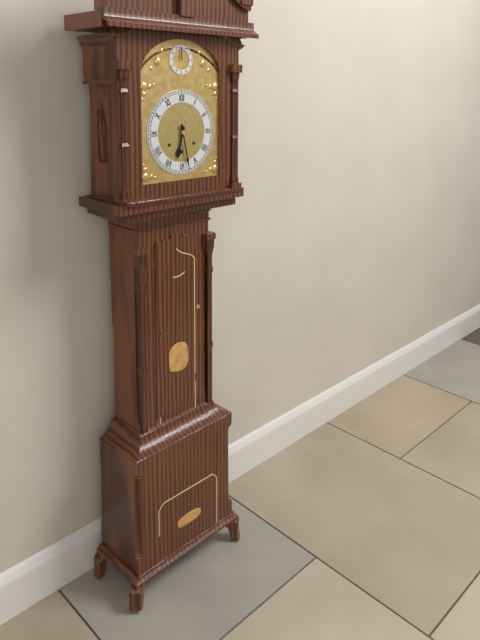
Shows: 6:28
